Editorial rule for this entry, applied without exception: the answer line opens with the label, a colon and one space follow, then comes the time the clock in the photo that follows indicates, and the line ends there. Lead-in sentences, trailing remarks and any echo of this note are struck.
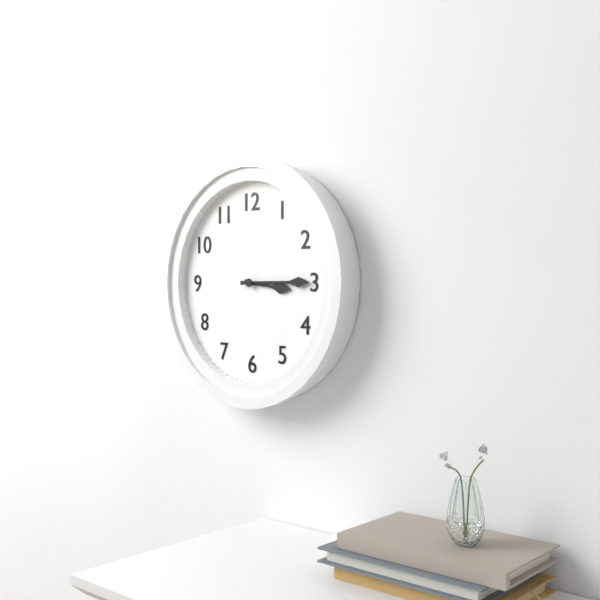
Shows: 3:15
